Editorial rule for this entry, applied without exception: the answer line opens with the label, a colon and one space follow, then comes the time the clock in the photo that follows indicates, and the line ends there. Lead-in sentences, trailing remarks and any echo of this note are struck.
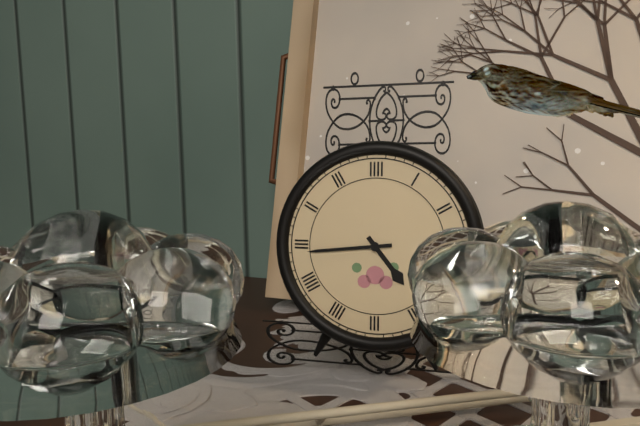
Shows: 4:44
